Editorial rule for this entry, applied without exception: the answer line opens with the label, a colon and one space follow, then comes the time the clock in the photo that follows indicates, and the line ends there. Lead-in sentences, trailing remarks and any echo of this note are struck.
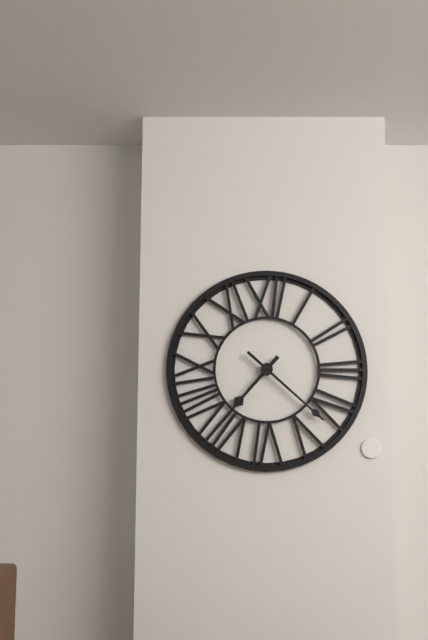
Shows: 7:22
